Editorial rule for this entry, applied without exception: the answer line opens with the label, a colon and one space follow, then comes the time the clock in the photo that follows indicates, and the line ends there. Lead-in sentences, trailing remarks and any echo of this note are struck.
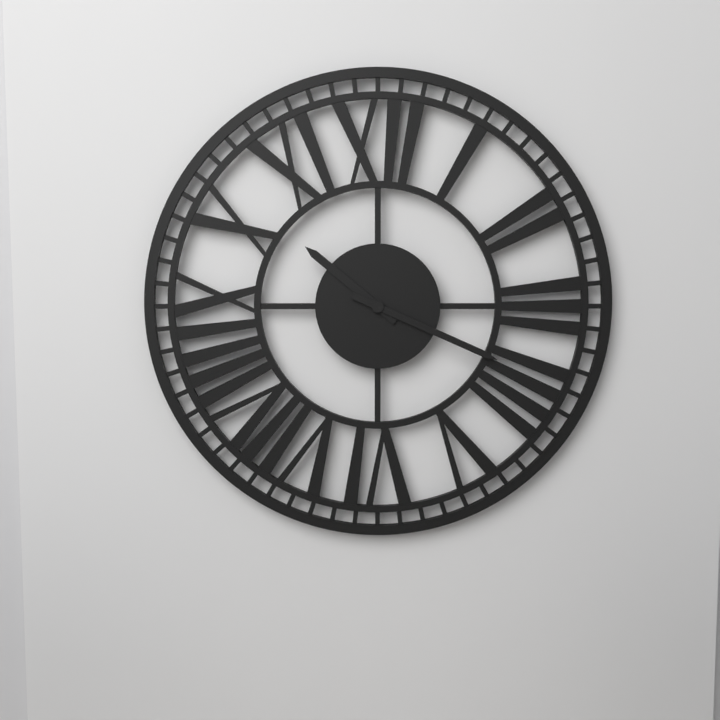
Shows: 10:19
